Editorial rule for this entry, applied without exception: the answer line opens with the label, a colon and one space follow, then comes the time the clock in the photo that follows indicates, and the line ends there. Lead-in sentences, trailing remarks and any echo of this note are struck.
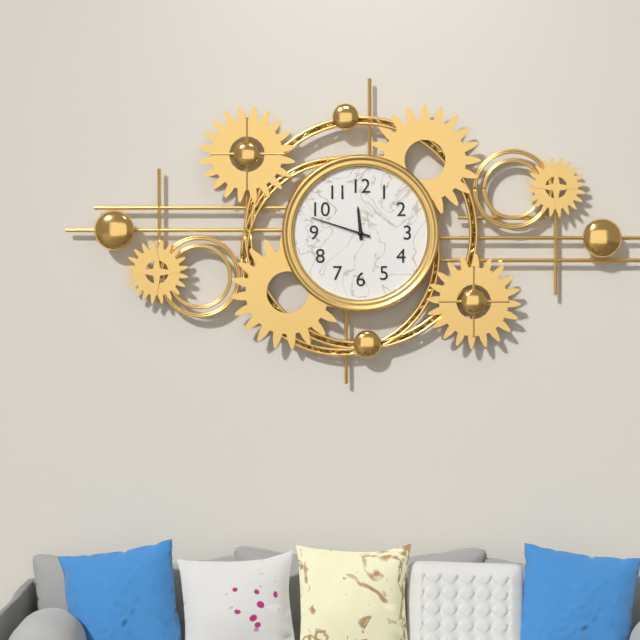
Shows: 11:48
